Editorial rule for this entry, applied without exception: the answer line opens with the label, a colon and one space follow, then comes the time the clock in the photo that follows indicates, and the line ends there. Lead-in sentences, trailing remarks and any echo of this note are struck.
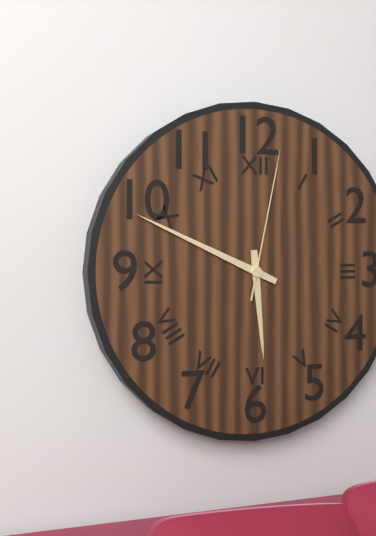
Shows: 5:49:02
